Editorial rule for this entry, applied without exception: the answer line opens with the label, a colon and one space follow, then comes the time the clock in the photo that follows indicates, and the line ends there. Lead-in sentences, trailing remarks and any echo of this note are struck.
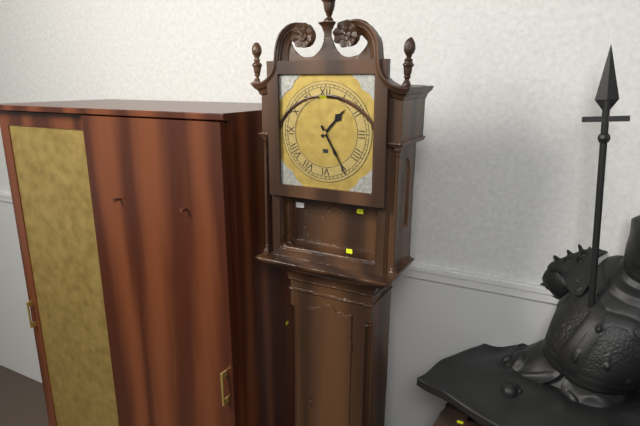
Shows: 1:25
